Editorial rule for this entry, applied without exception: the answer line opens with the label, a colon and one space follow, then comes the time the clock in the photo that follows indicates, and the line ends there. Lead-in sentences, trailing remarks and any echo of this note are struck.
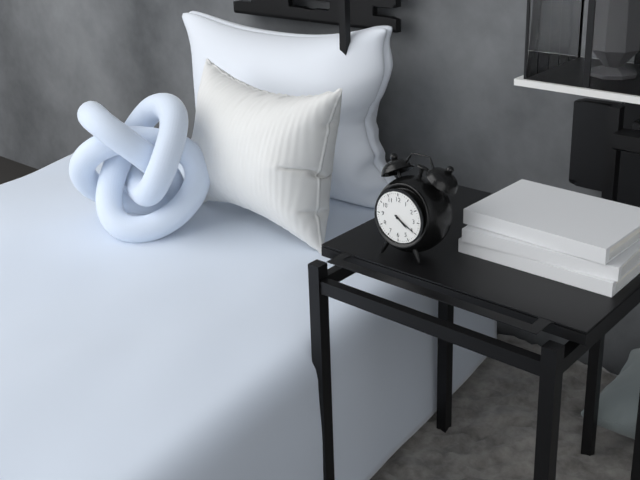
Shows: 4:20
